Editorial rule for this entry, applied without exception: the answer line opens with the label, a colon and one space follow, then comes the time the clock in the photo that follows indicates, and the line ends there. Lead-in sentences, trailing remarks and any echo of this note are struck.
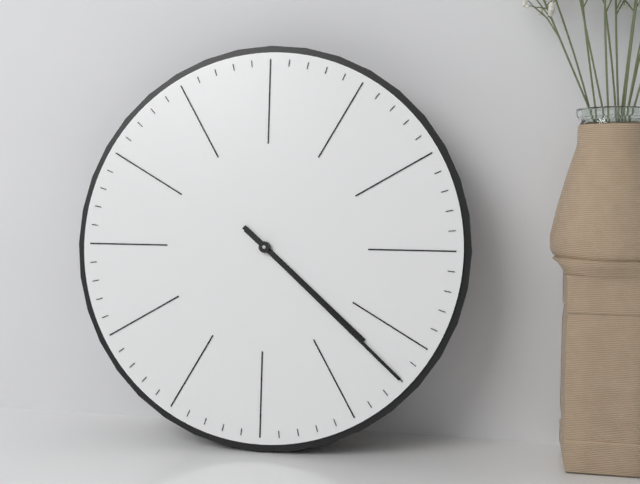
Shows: 4:22
